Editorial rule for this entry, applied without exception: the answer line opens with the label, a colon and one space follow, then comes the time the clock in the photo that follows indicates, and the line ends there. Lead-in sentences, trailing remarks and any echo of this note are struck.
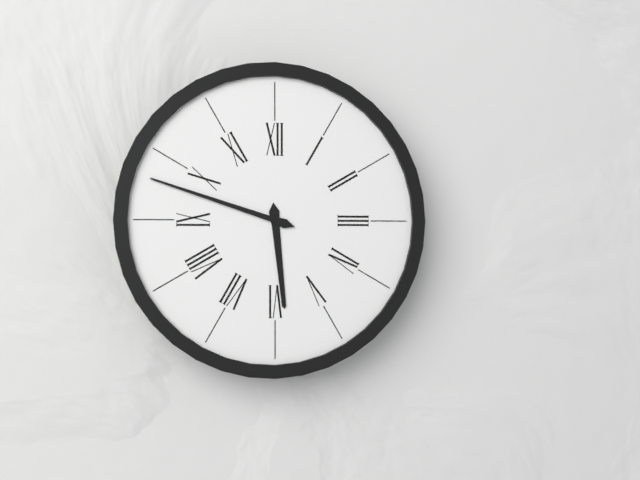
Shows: 5:48
